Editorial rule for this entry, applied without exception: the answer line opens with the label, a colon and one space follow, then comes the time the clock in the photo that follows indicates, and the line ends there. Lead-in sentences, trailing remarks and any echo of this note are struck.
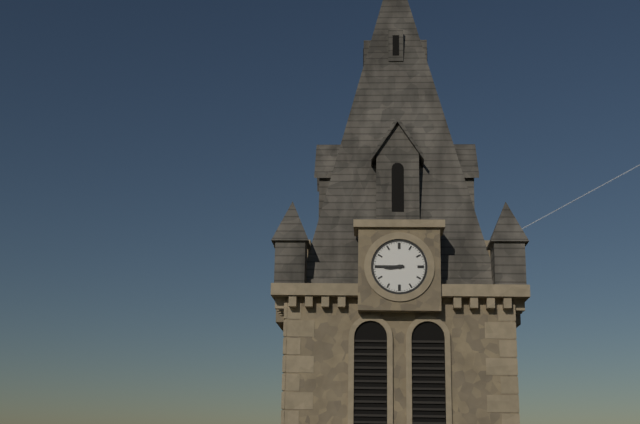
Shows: 8:45
